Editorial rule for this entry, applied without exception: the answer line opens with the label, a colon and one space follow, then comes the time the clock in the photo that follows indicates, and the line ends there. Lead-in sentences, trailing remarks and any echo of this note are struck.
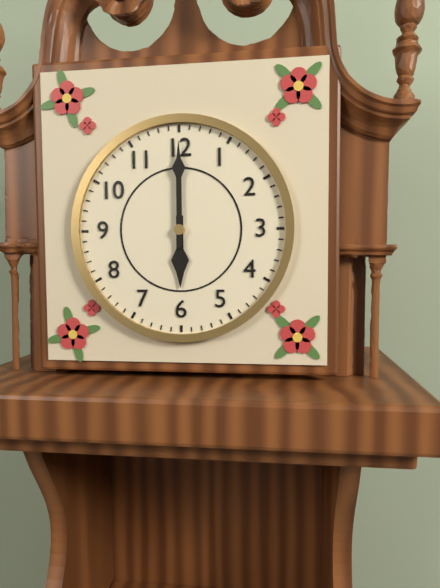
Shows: 6:00
